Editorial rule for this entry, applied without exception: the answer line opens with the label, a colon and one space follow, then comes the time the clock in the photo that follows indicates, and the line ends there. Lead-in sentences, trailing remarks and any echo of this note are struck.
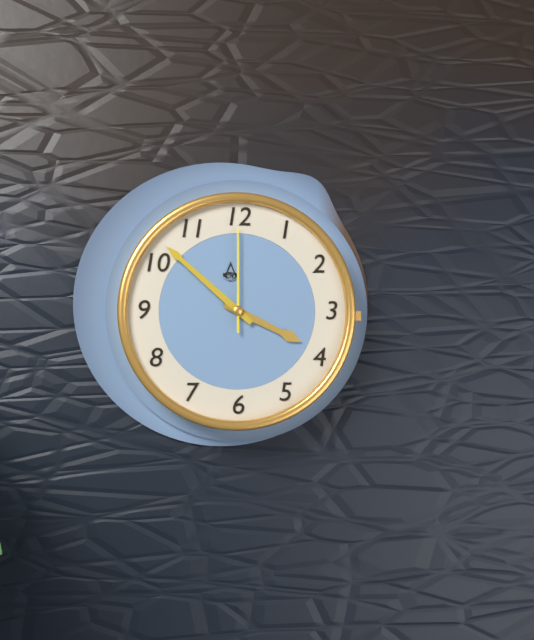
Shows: 3:52:00
